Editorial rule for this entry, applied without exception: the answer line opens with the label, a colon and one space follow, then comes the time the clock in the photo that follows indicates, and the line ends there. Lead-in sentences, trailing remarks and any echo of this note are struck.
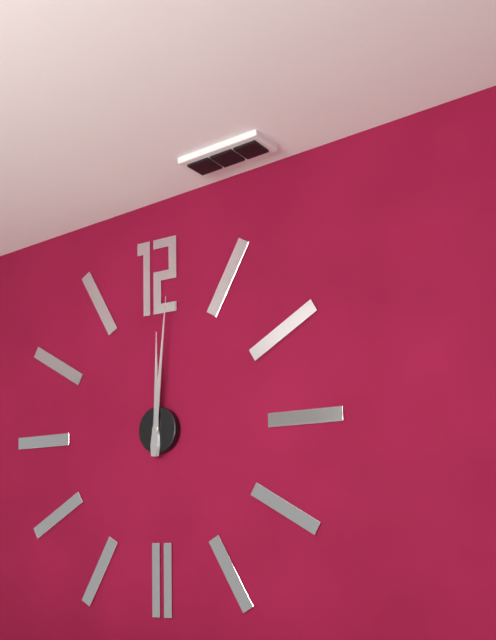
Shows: 12:01
